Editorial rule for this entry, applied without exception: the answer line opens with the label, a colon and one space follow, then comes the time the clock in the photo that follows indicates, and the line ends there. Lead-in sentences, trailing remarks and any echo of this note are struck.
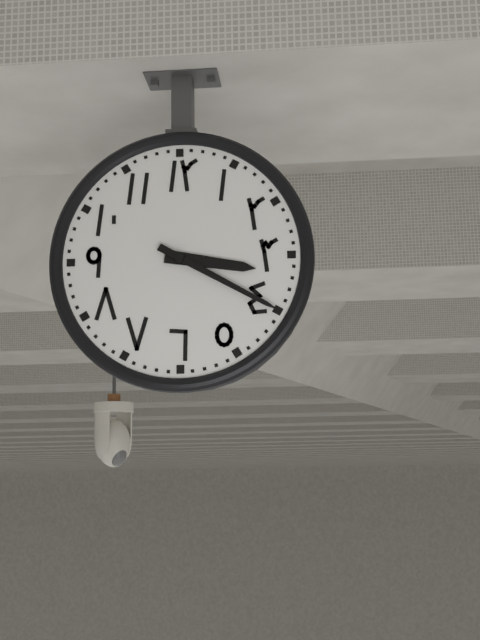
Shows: 3:20
